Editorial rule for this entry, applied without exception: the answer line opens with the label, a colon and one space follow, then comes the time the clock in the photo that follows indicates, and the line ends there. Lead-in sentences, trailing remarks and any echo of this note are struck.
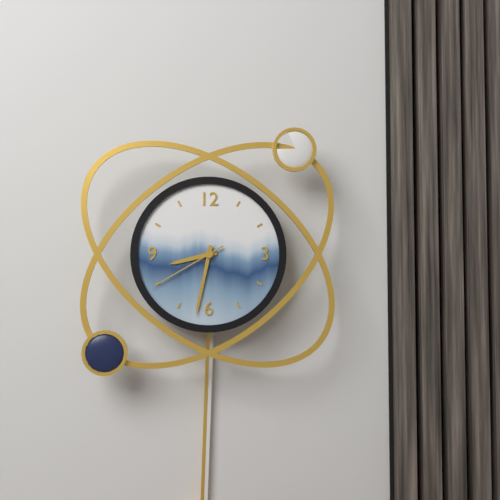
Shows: 8:32:40
